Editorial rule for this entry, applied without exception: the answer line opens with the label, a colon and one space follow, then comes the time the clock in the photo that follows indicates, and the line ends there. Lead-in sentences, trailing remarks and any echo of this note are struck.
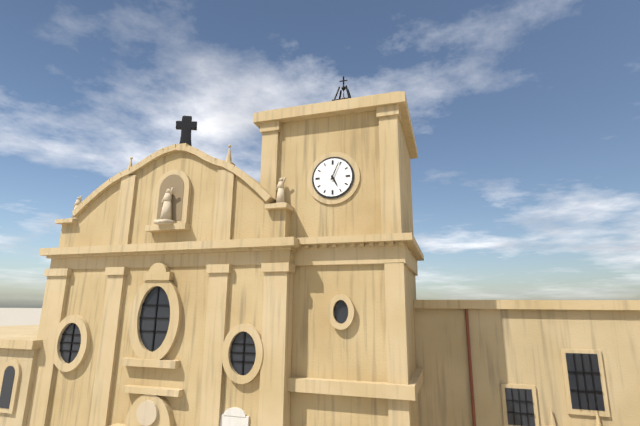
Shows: 5:04
